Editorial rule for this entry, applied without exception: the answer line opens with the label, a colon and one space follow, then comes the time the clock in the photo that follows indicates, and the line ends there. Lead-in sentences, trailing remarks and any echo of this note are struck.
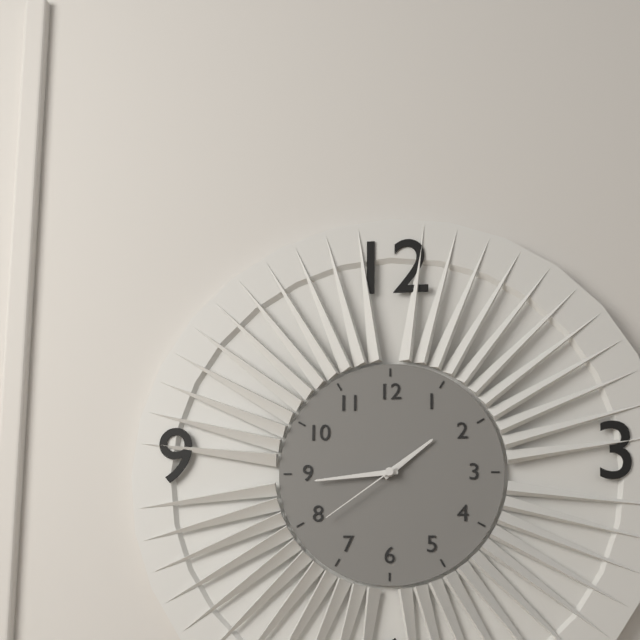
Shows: 1:44:39
